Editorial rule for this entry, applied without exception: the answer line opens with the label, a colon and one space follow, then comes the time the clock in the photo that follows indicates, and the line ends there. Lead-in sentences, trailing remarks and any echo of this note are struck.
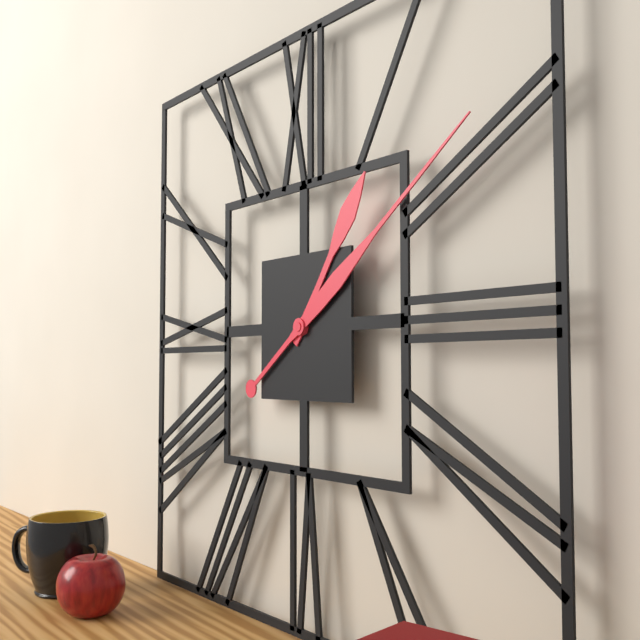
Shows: 1:09
